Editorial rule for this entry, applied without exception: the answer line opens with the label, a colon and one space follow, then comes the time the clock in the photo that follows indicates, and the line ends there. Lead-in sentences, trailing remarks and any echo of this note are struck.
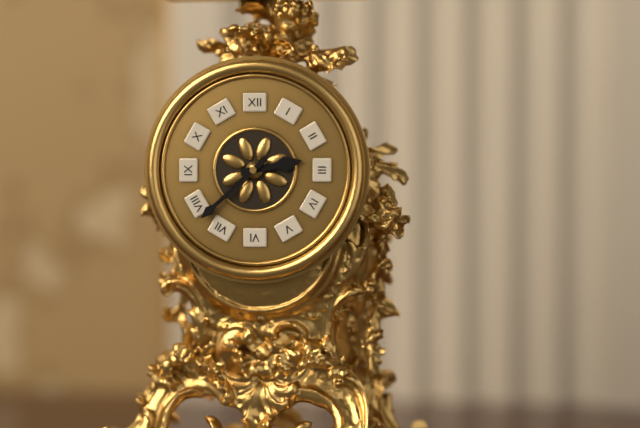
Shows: 2:38
